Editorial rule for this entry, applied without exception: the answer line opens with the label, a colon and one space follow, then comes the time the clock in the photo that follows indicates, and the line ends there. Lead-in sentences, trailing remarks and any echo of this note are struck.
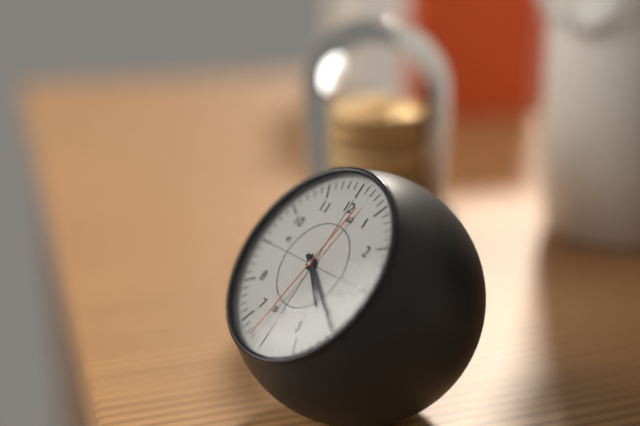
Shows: 4:20:32
